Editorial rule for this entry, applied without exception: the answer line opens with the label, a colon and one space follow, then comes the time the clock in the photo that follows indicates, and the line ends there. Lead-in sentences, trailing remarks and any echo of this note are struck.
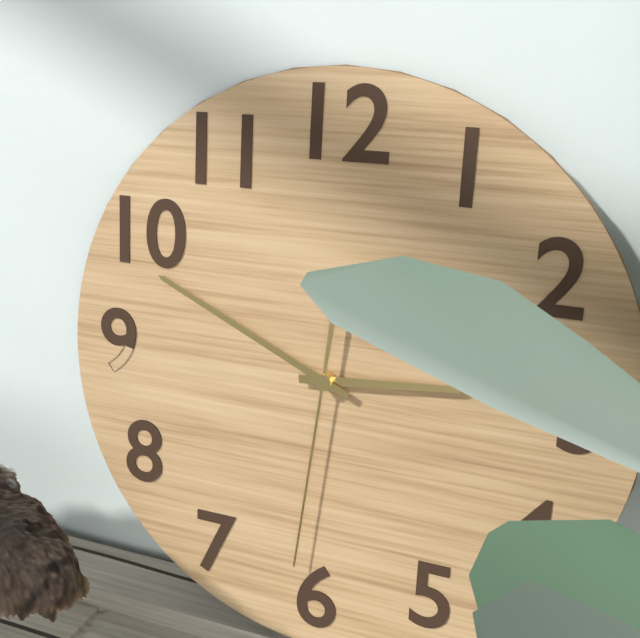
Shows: 2:49:31
